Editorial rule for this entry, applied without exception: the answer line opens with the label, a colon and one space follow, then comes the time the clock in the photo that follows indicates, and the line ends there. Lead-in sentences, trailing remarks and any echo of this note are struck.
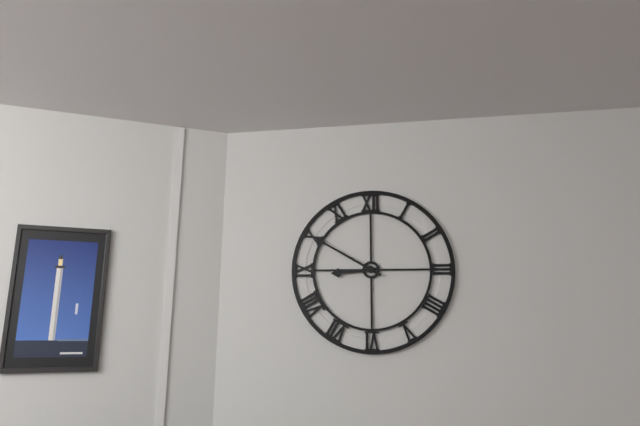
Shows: 8:50
